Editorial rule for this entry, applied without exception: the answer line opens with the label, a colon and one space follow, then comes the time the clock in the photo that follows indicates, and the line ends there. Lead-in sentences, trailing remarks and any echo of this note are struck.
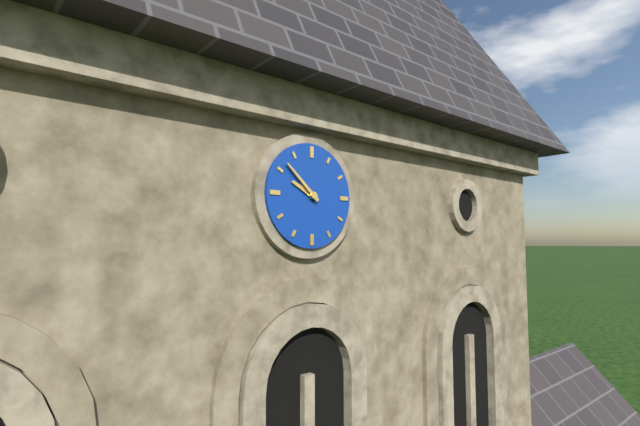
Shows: 9:52
